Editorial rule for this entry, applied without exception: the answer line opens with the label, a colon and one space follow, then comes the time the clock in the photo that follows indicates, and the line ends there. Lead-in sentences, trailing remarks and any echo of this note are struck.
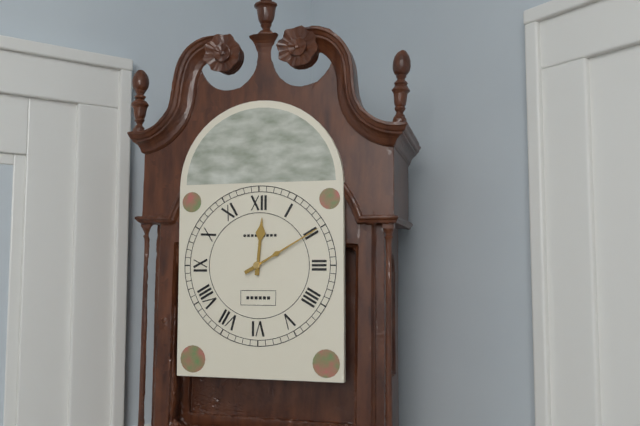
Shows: 12:10
